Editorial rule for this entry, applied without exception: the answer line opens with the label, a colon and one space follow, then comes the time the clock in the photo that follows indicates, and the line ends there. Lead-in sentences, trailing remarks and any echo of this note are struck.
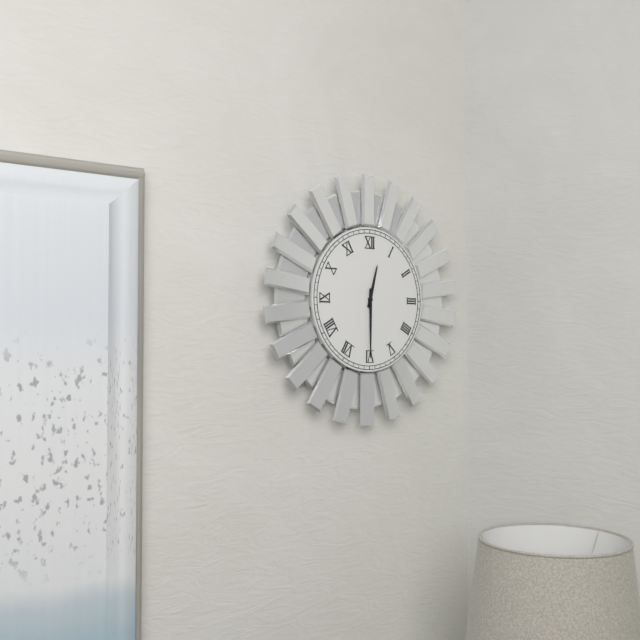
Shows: 12:30
